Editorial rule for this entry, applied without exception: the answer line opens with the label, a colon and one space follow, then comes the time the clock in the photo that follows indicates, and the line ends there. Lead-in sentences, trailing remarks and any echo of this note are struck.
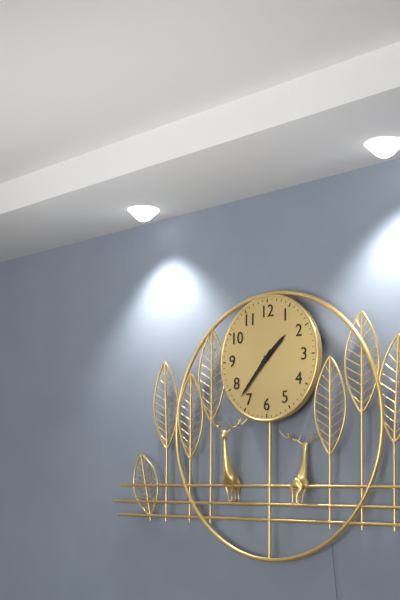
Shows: 1:37
